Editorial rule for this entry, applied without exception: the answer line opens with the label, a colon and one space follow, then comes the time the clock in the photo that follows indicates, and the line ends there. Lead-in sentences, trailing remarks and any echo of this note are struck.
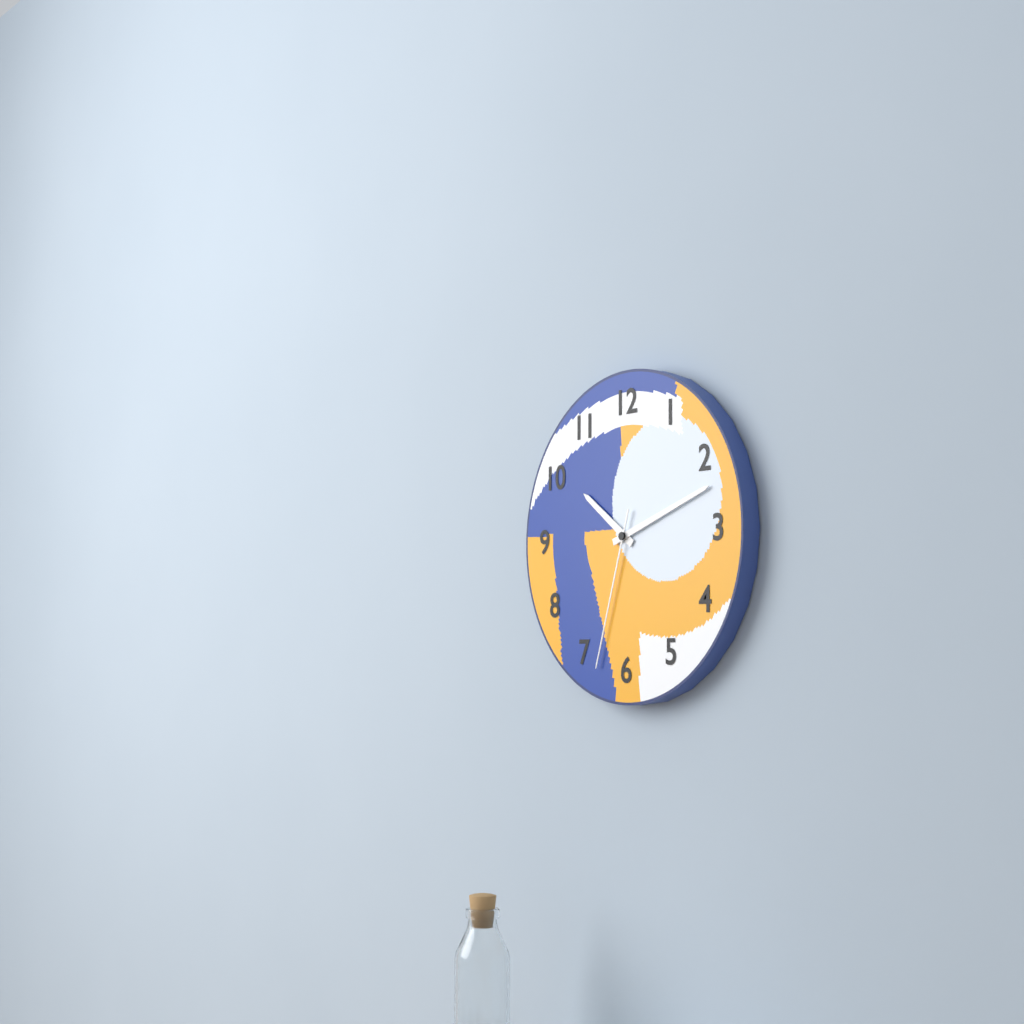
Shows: 10:12:33
